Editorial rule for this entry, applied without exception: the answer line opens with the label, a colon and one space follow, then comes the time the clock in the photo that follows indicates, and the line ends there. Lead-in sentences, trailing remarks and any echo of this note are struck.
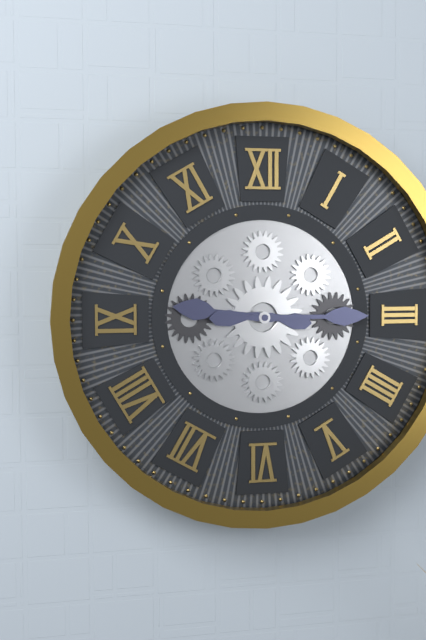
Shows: 9:15
